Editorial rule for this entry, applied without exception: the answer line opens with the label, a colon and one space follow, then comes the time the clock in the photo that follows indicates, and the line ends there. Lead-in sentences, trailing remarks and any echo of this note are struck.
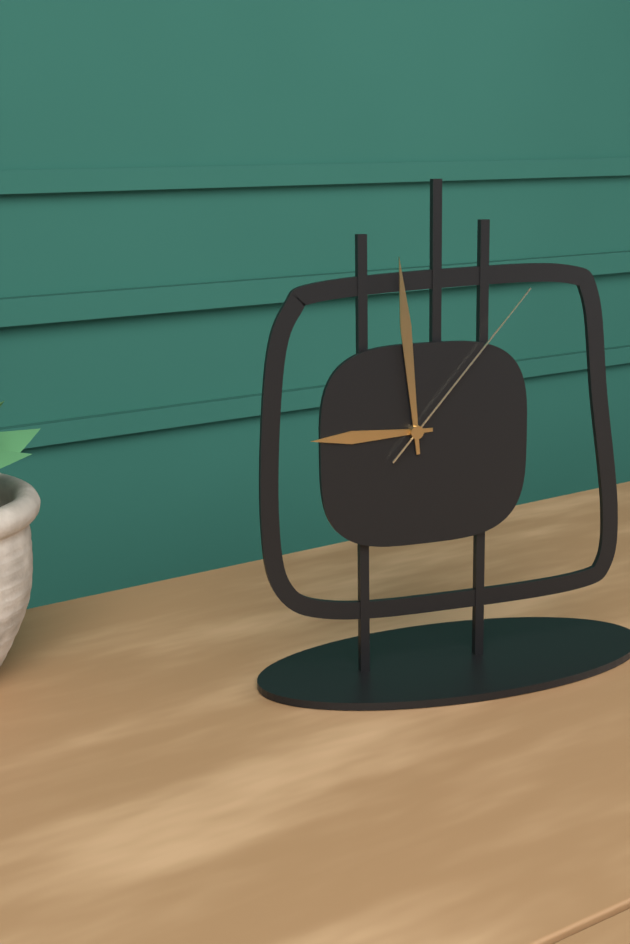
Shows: 8:59:07
